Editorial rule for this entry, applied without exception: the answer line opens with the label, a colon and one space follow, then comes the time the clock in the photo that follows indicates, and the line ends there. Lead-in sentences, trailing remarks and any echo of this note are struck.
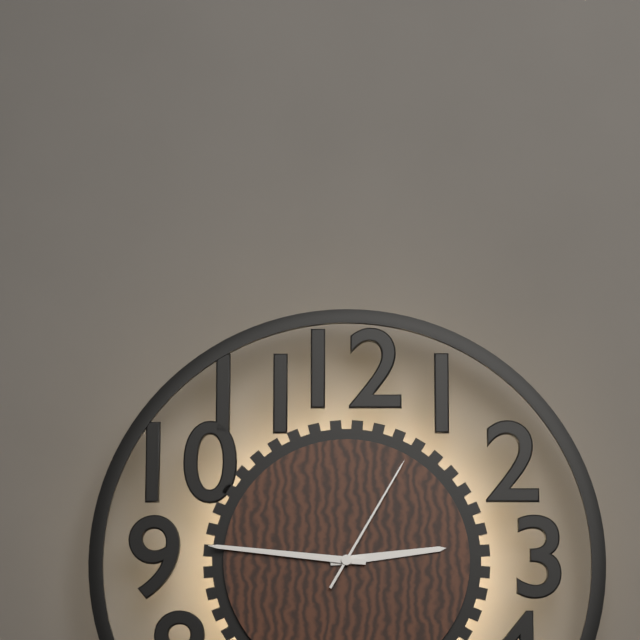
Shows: 2:46:05
